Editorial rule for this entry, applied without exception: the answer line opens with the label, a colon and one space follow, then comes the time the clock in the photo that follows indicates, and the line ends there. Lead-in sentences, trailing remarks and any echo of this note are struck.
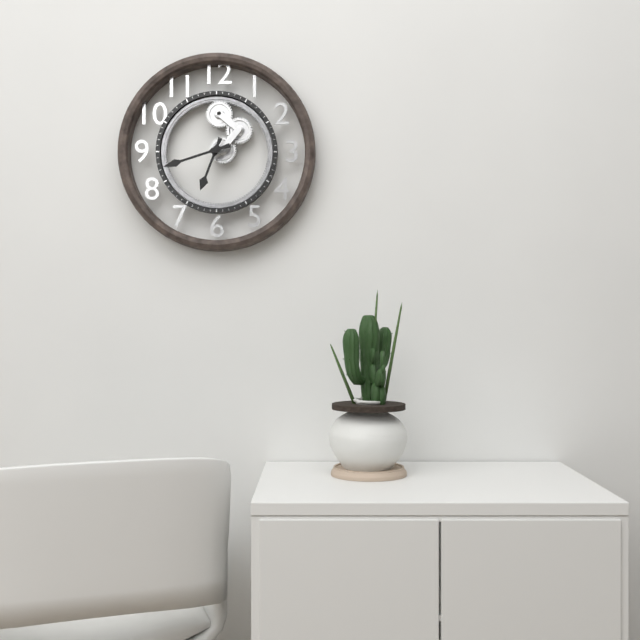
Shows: 6:42
